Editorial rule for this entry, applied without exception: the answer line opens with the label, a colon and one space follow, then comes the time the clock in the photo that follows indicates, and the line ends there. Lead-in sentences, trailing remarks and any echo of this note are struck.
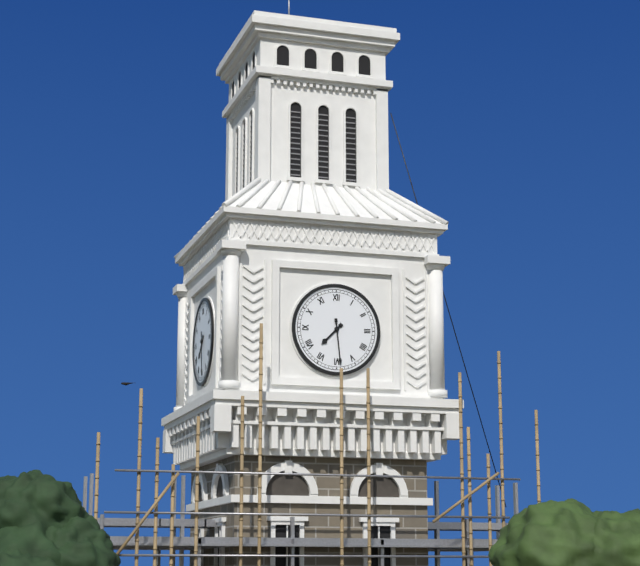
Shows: 7:29
